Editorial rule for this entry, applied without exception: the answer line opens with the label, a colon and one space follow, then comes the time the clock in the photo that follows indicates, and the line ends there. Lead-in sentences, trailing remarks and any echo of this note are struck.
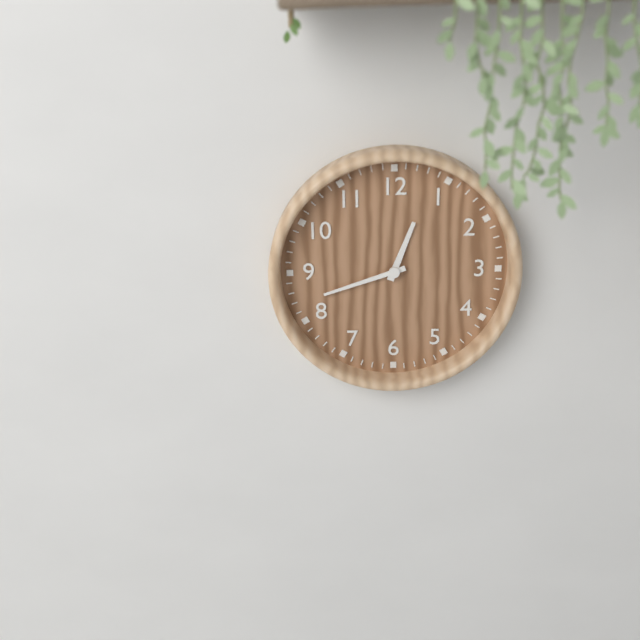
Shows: 12:42
